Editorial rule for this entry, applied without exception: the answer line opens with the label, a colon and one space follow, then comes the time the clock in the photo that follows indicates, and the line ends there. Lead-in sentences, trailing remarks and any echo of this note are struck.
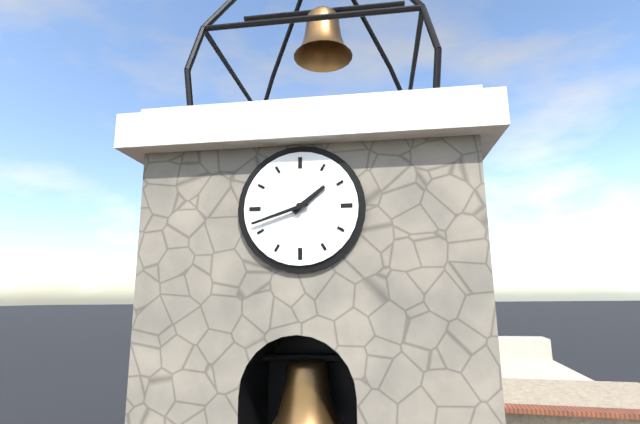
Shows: 1:42
